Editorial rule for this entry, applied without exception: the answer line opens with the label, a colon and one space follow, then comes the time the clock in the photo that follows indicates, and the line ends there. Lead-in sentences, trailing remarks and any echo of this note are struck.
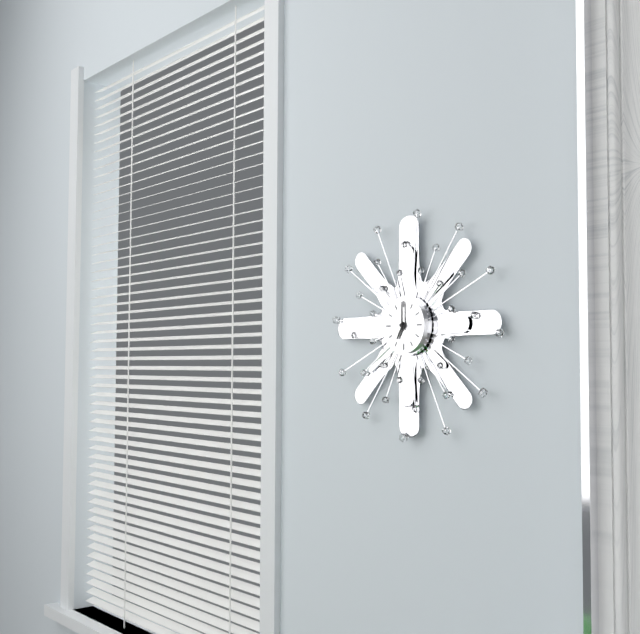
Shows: 7:00
